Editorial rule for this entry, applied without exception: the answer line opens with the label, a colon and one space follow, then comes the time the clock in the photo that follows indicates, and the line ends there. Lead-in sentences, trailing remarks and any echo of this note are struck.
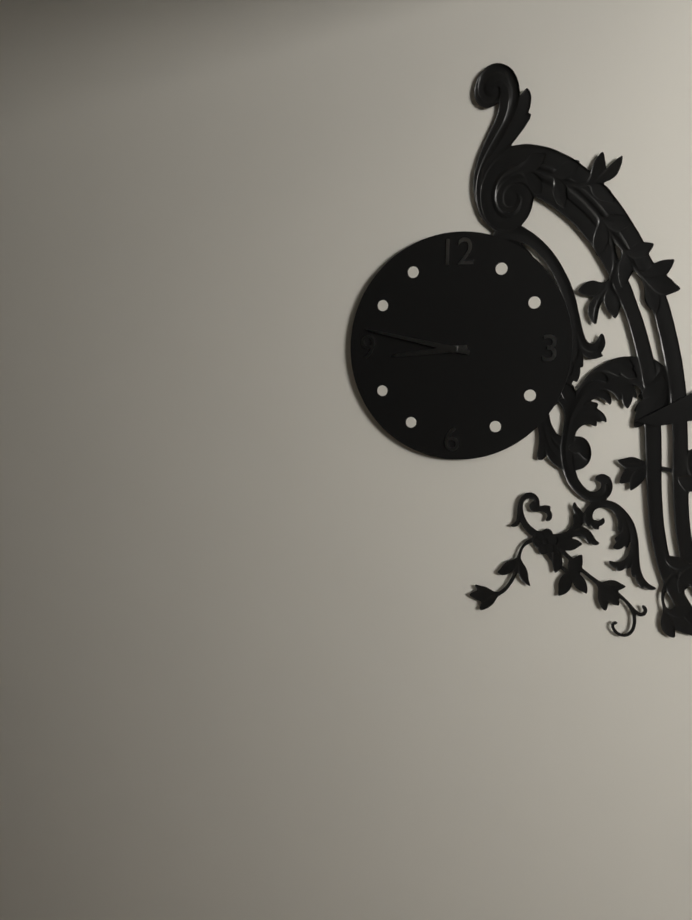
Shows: 8:47
